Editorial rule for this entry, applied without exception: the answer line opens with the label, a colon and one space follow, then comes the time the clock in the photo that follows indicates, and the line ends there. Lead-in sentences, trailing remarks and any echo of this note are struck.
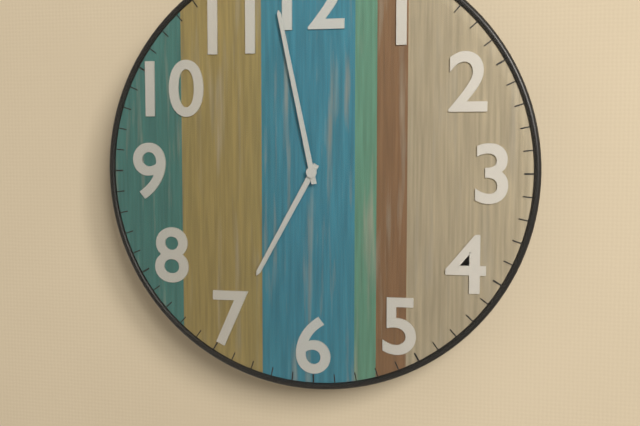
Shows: 6:58
